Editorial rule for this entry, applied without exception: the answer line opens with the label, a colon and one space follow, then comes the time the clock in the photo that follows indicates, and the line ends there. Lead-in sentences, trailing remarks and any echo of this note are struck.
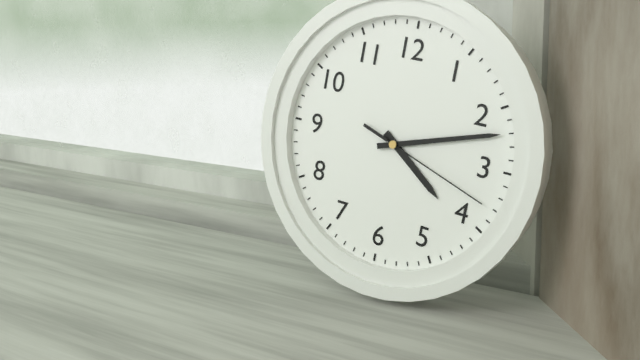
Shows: 4:12:18
